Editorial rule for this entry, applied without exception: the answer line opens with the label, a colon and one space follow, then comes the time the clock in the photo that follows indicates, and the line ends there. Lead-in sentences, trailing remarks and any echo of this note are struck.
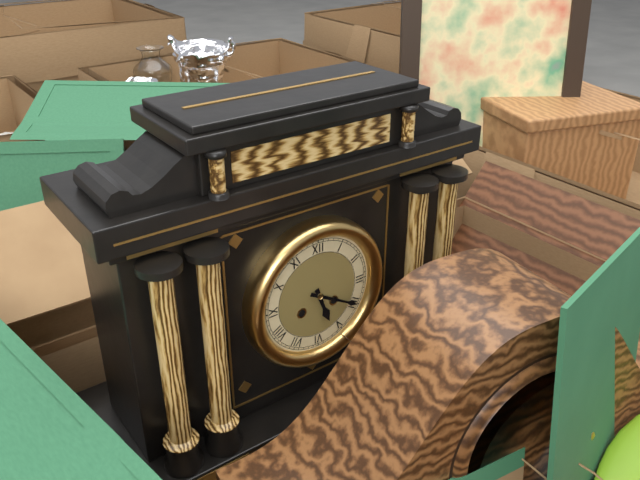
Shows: 5:20
